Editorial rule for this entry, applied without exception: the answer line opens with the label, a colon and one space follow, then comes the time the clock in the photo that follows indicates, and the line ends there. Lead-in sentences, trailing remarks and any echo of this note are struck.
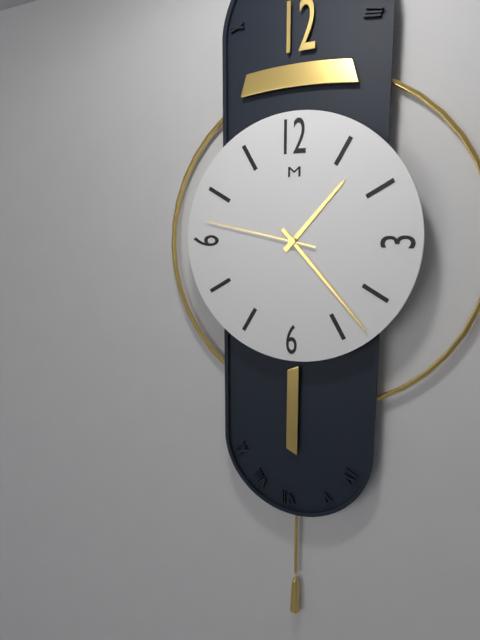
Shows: 1:23:47
